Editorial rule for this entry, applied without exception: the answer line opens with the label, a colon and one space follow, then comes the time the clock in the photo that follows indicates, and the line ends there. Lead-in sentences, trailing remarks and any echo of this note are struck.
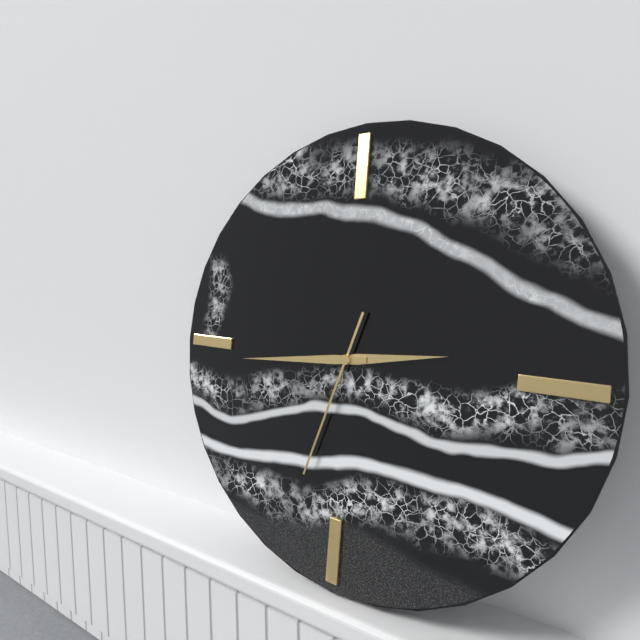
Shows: 2:44:33
